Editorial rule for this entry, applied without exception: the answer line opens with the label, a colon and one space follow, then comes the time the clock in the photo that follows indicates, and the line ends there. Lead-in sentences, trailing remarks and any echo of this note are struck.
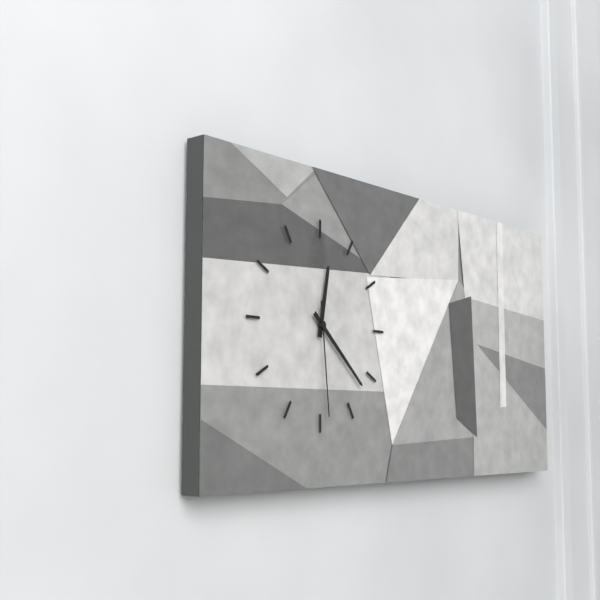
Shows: 12:22:29
